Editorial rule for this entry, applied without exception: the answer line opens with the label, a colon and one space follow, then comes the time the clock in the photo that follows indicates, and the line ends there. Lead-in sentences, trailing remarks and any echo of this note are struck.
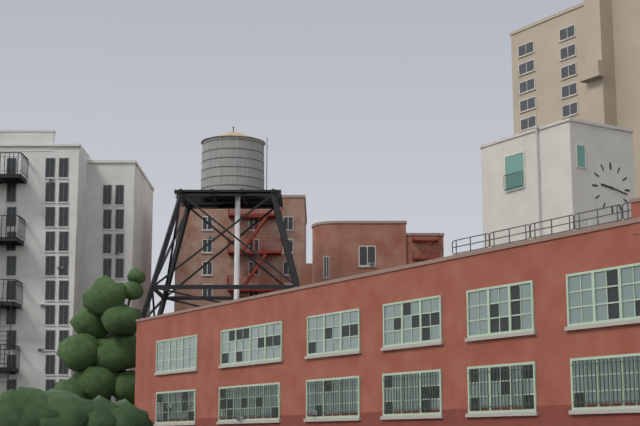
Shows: 9:17
